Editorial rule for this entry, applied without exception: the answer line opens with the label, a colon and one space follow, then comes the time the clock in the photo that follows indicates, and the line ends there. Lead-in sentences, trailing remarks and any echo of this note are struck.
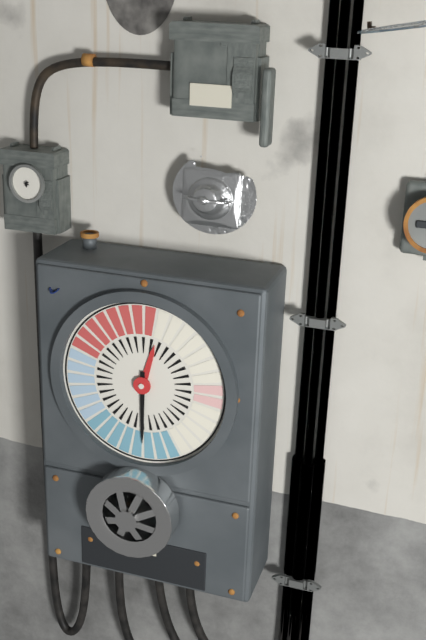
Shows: 12:30
